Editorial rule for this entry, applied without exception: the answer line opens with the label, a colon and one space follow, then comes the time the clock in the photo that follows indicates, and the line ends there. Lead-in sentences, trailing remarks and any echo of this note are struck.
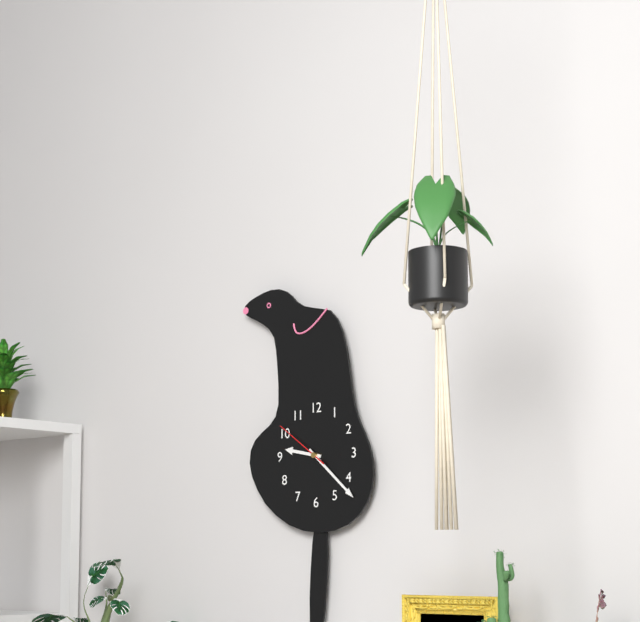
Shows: 9:22:51
